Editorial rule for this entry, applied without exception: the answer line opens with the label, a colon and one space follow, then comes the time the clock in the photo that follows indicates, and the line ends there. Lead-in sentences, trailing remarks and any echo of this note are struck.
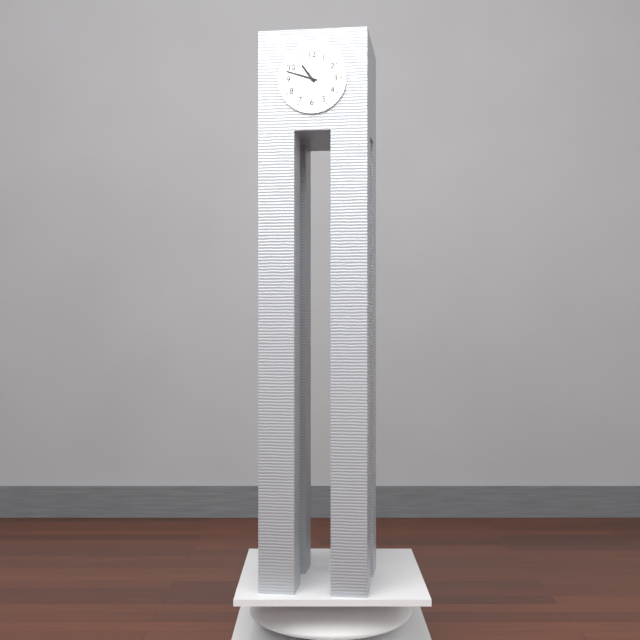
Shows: 10:48
